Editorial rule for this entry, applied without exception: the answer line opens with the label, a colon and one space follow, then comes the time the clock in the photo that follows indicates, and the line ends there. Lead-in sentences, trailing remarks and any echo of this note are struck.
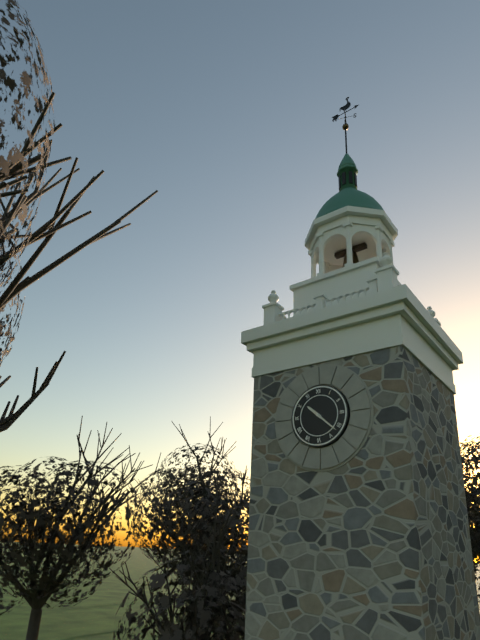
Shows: 10:22
